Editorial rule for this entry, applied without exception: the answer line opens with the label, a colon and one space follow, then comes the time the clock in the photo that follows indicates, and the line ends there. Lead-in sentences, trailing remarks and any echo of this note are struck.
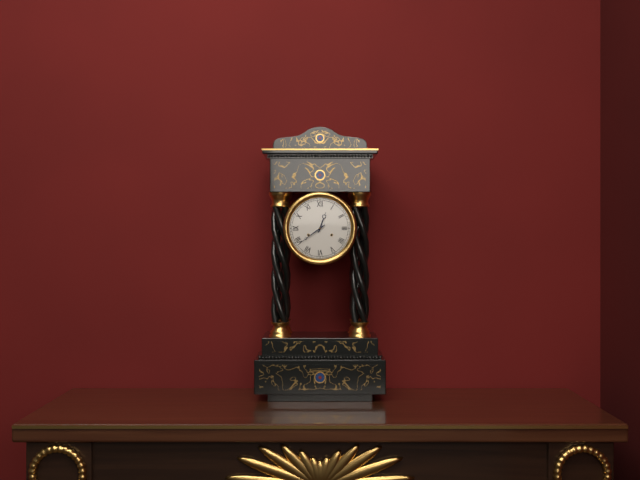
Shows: 12:39
